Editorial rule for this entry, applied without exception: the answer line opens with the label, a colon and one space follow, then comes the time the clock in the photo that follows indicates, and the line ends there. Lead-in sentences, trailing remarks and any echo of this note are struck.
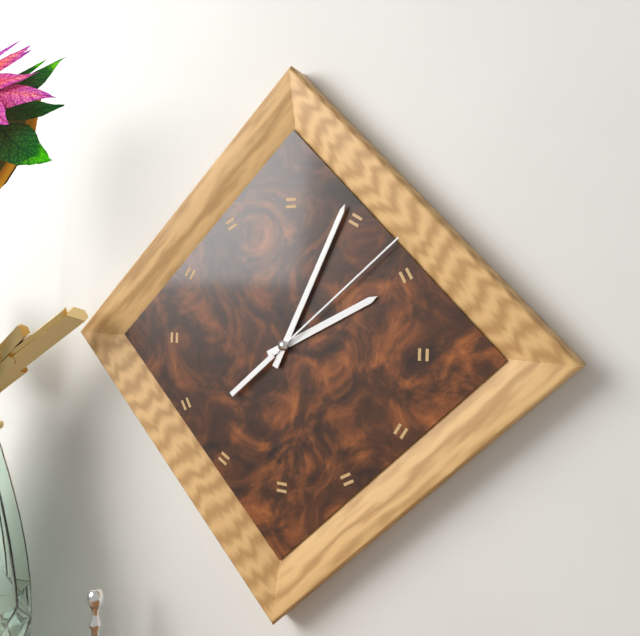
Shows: 2:04:08
